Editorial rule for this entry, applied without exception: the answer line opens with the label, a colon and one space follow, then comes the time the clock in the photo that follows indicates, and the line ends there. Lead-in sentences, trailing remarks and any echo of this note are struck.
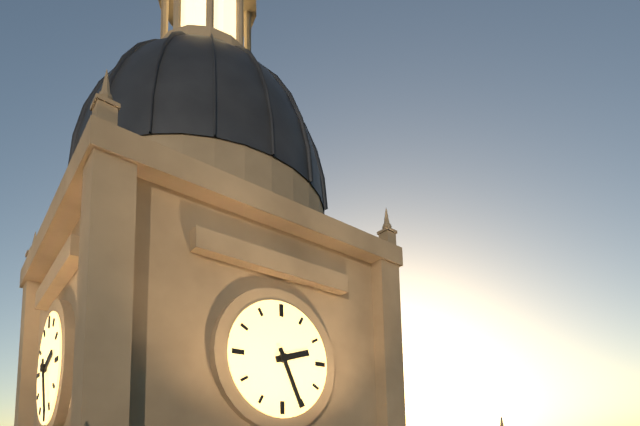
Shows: 2:26
